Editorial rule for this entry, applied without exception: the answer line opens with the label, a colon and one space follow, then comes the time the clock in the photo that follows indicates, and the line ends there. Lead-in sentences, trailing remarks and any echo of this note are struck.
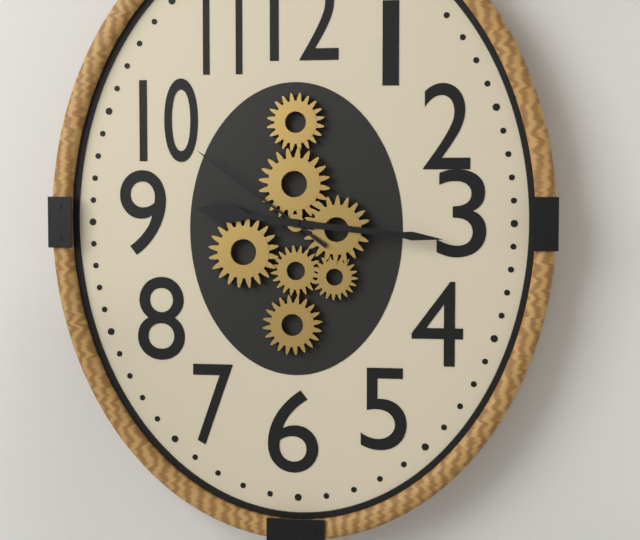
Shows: 9:16:51
